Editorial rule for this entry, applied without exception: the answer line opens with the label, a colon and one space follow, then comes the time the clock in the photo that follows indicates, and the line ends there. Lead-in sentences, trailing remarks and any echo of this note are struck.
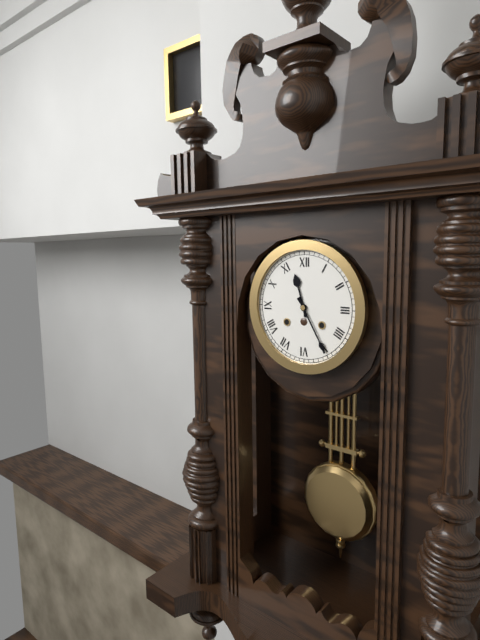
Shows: 11:25
